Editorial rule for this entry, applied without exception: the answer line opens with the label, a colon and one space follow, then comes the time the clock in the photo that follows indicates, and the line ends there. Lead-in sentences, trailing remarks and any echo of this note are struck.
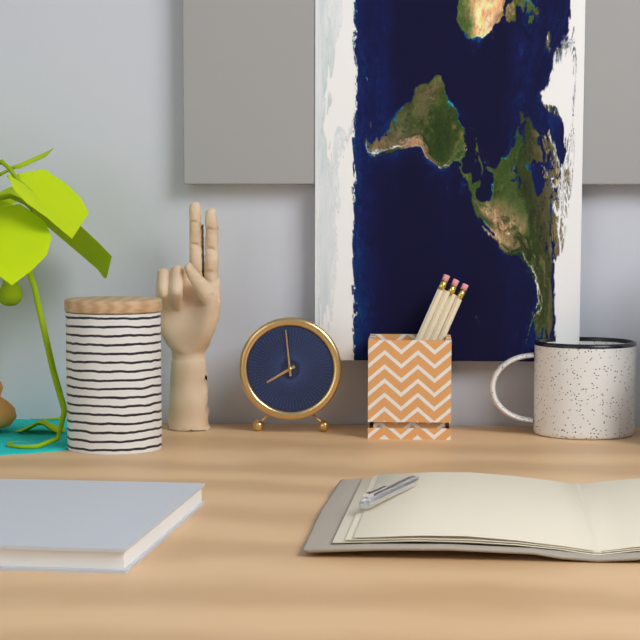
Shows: 7:59
